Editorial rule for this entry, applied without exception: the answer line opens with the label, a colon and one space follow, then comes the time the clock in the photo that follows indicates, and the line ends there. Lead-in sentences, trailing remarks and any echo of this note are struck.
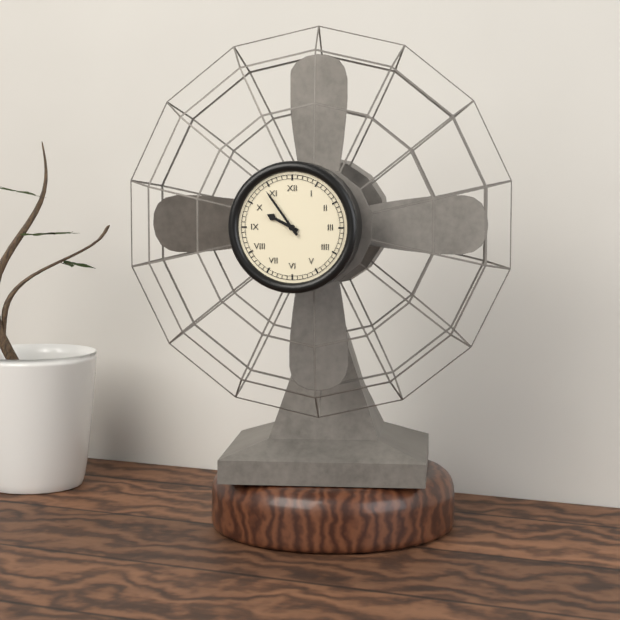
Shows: 9:54
